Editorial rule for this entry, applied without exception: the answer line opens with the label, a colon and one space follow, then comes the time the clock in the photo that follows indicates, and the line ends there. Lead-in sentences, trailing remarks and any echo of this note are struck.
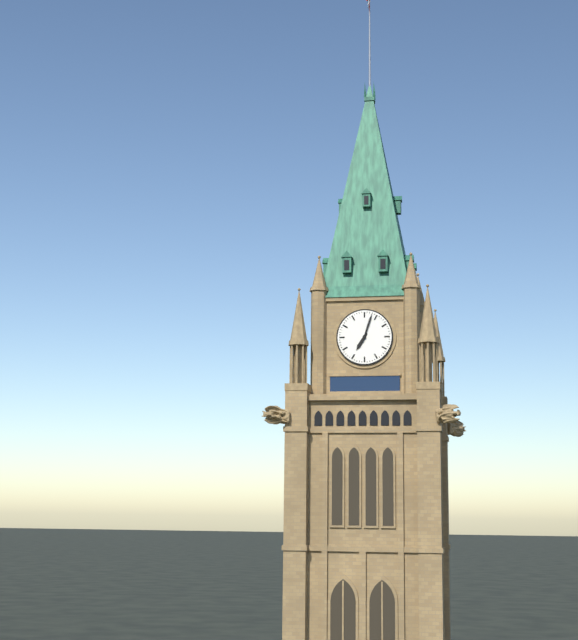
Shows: 7:03
